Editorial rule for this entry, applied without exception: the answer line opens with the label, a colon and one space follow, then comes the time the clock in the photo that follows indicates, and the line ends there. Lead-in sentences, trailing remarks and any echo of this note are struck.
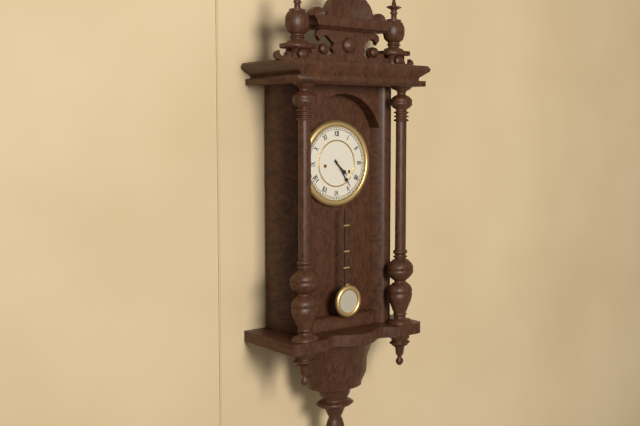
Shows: 4:24
